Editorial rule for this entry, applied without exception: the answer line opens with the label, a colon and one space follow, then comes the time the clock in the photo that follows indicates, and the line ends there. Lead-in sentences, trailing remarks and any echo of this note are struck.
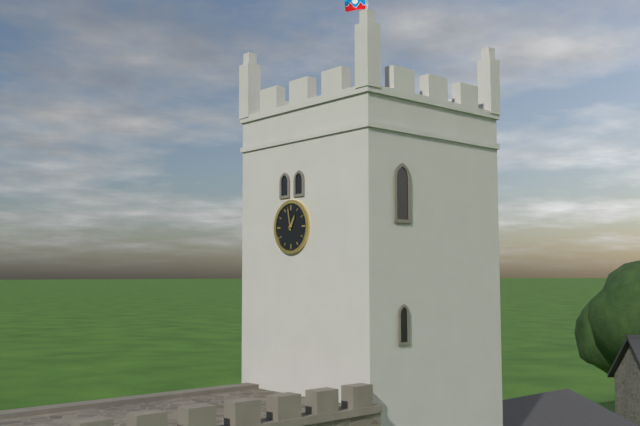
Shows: 12:58
